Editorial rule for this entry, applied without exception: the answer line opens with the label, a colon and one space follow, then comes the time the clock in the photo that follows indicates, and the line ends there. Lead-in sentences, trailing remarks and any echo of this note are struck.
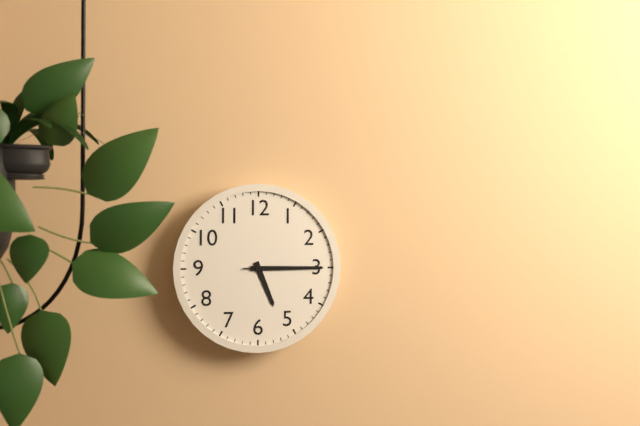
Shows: 5:15:15
